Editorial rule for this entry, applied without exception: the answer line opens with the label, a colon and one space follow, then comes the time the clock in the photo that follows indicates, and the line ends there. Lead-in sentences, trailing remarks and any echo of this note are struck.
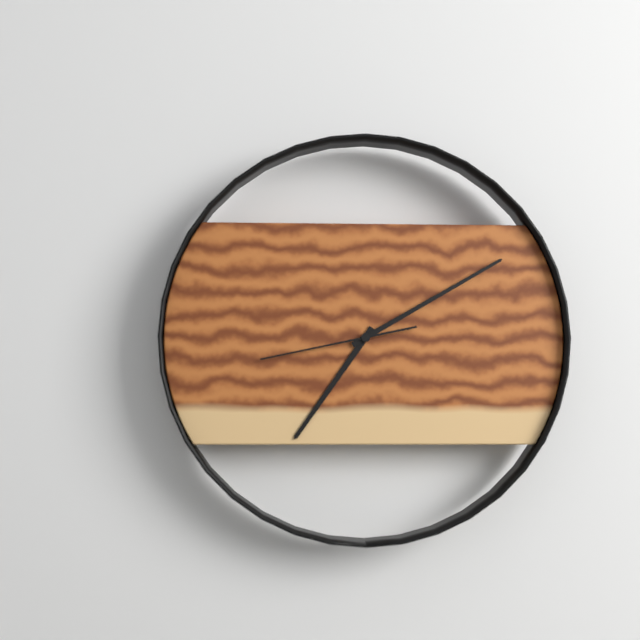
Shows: 7:10:43
